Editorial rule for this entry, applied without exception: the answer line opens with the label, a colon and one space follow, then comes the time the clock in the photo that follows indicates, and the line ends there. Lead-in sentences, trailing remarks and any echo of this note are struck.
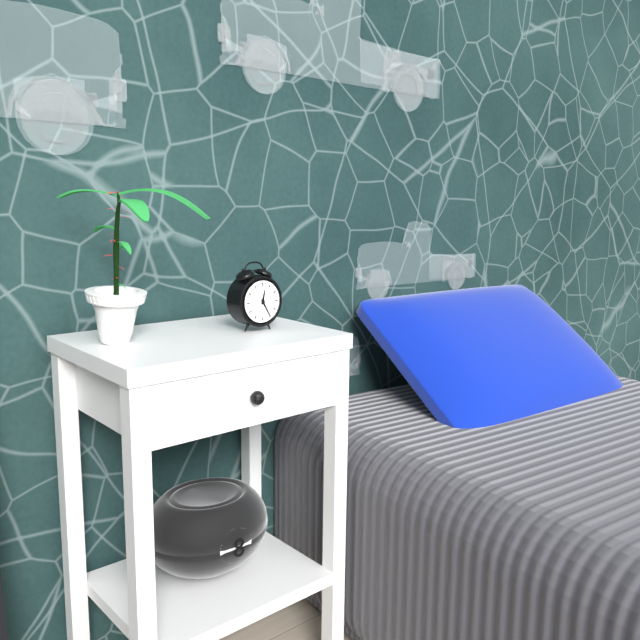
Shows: 12:25
